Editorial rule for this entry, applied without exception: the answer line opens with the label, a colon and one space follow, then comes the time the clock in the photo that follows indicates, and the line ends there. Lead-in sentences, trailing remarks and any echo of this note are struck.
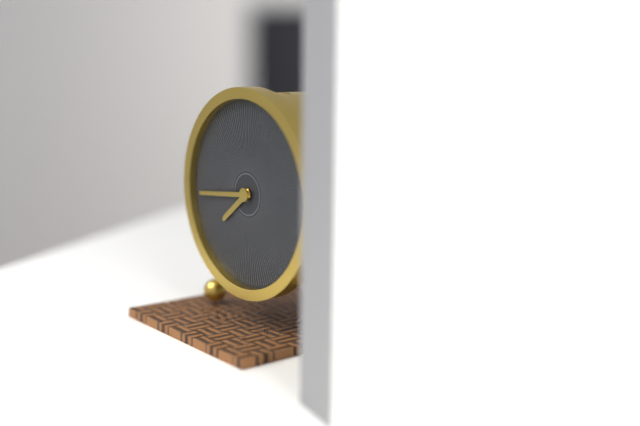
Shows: 7:44
